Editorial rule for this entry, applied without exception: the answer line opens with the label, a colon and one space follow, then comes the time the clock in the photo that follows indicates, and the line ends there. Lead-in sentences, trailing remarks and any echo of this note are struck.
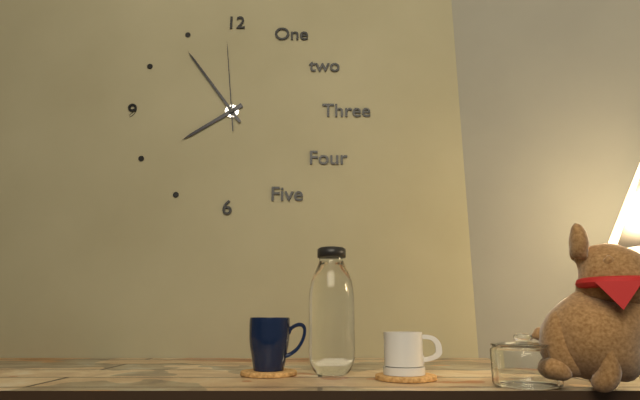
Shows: 7:54:59
